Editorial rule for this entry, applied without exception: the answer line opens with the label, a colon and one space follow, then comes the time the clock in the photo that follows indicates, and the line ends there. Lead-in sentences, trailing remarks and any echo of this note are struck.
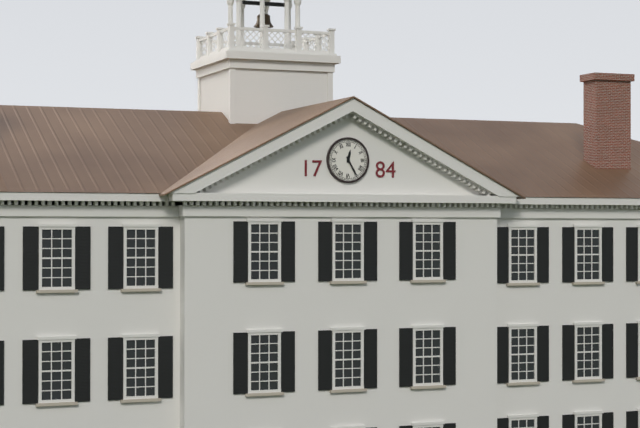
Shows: 12:25
